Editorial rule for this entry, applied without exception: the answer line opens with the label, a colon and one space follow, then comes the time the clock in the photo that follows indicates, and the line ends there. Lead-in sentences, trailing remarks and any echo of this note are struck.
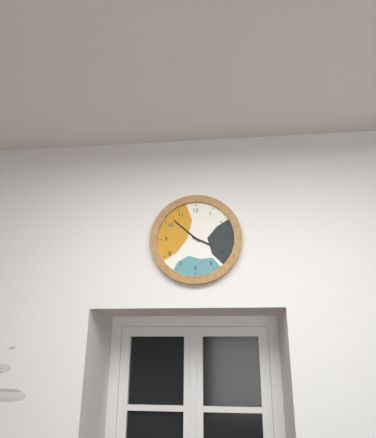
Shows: 3:52
